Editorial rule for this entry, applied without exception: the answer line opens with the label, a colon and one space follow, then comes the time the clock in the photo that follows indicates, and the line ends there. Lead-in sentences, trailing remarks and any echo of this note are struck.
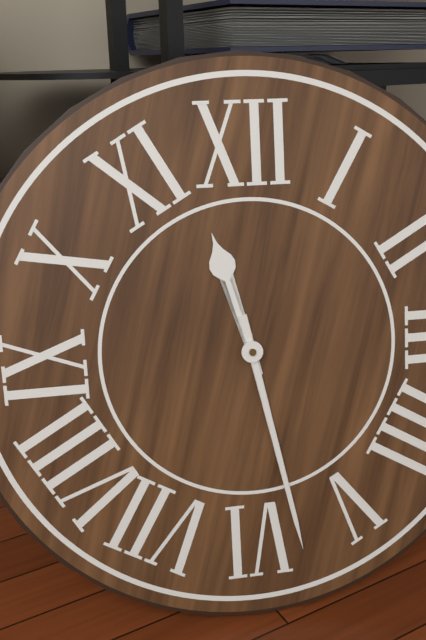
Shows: 11:28
